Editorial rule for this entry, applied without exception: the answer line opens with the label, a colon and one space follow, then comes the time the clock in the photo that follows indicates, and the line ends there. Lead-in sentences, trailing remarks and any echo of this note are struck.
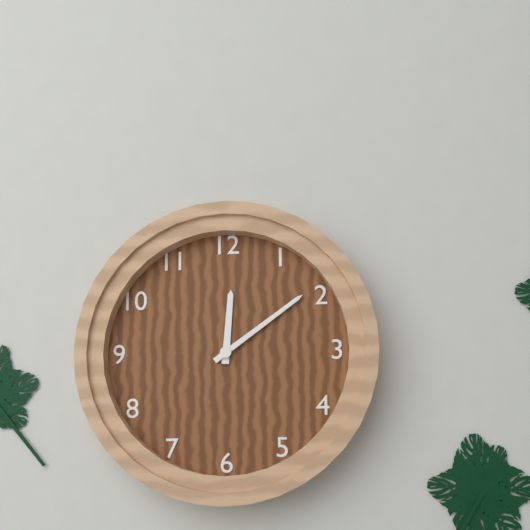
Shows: 12:09
